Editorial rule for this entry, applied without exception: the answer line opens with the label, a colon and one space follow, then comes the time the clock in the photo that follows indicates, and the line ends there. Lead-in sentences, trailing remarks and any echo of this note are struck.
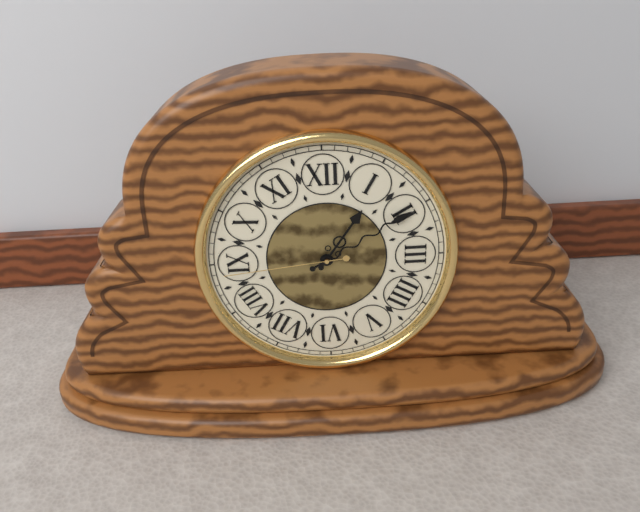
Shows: 1:10:44
